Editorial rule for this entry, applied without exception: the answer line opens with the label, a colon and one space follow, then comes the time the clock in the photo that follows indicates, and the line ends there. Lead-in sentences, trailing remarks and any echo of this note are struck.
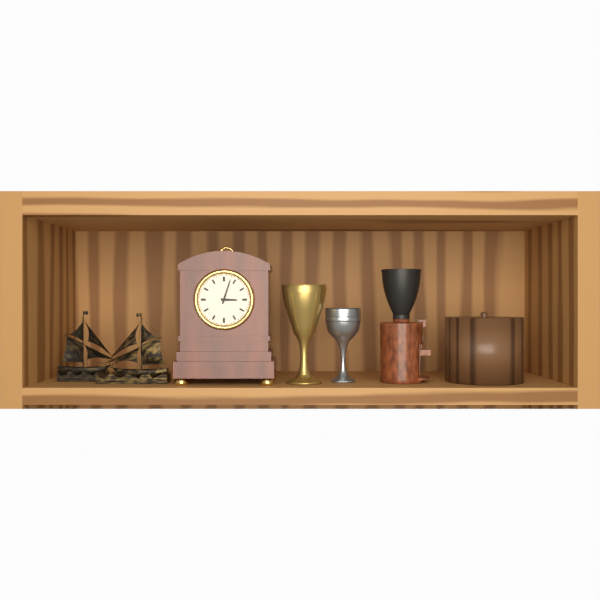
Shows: 3:03
